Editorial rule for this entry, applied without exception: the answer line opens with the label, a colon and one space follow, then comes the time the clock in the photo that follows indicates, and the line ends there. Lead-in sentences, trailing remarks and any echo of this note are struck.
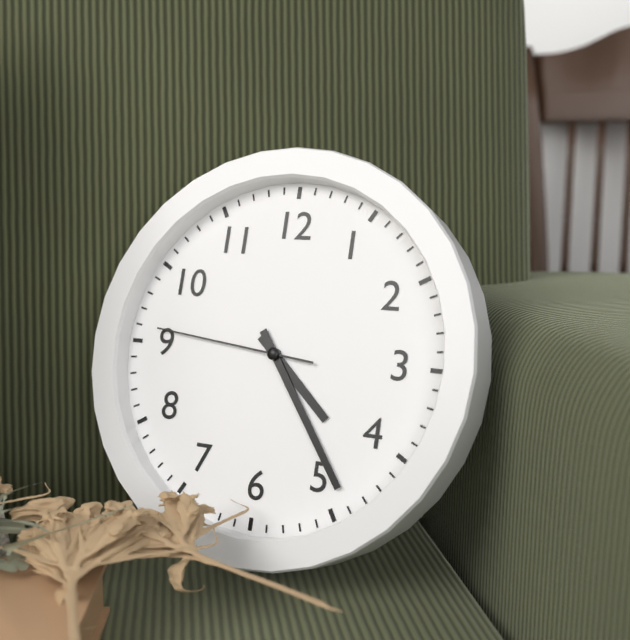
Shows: 4:24:46
